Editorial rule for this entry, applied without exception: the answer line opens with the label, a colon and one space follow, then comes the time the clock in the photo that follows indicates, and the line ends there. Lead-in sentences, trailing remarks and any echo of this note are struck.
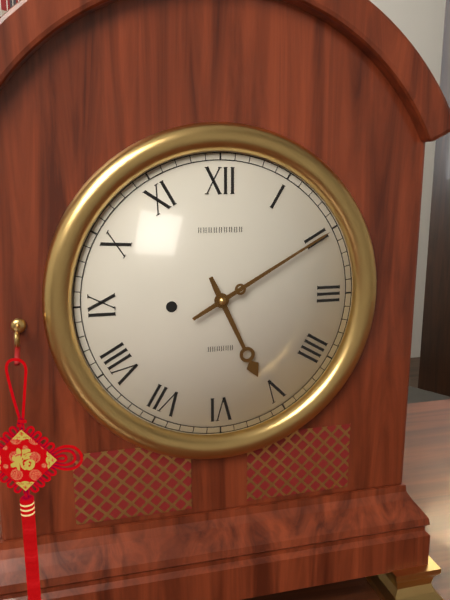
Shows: 5:10
